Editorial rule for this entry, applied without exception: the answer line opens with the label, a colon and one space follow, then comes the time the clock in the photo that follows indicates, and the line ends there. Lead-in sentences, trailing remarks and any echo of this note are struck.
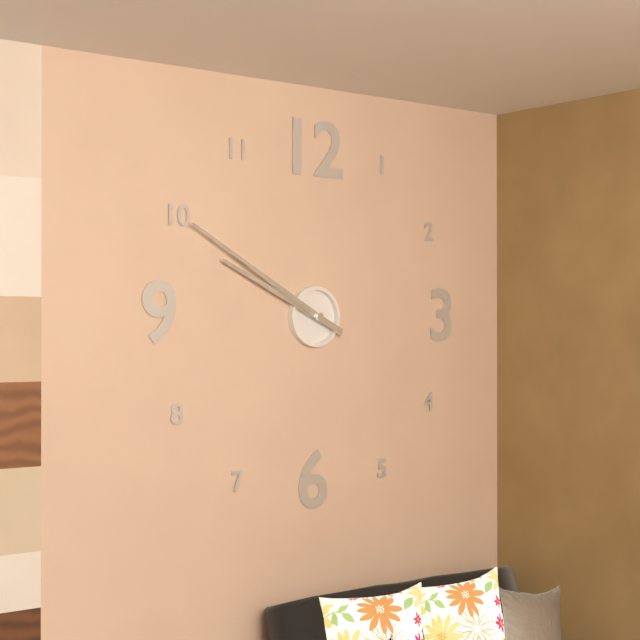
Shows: 9:50
